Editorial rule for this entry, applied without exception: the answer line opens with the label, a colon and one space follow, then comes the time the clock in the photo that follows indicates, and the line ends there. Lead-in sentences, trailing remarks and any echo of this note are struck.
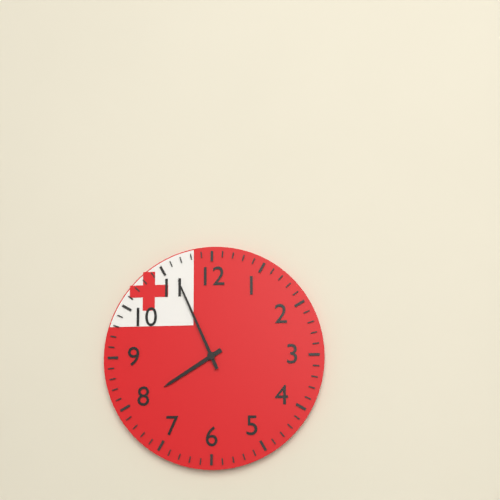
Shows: 7:56
